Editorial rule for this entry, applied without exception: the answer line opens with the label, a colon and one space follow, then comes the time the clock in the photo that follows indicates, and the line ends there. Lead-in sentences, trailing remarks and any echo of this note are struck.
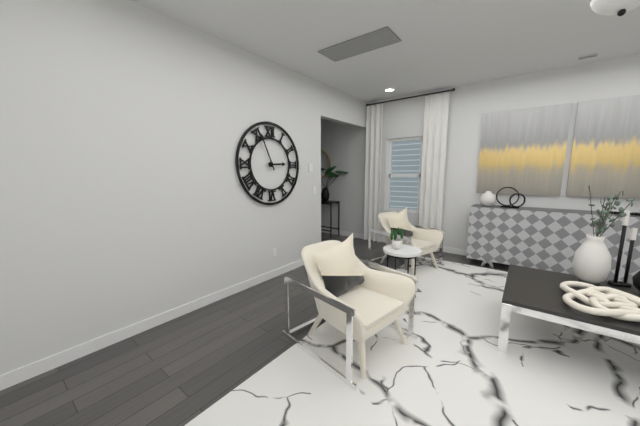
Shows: 2:56
